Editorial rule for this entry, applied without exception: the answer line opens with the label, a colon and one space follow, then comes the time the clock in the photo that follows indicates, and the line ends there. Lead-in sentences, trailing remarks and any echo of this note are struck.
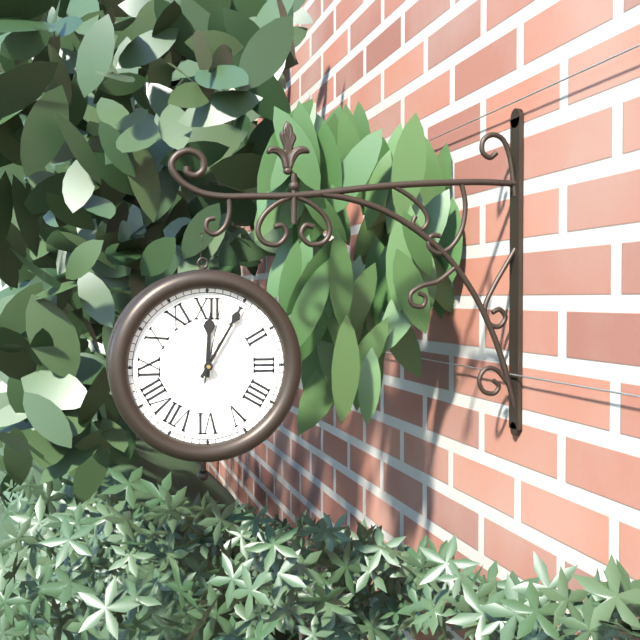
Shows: 12:05:02
